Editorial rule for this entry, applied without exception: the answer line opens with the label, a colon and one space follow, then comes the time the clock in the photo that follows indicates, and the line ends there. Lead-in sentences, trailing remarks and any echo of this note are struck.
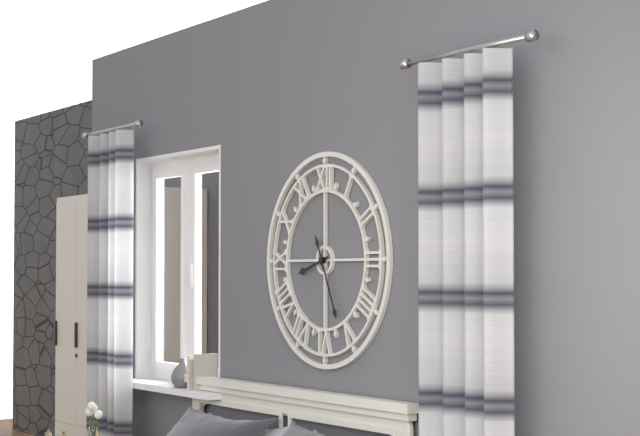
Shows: 8:26
